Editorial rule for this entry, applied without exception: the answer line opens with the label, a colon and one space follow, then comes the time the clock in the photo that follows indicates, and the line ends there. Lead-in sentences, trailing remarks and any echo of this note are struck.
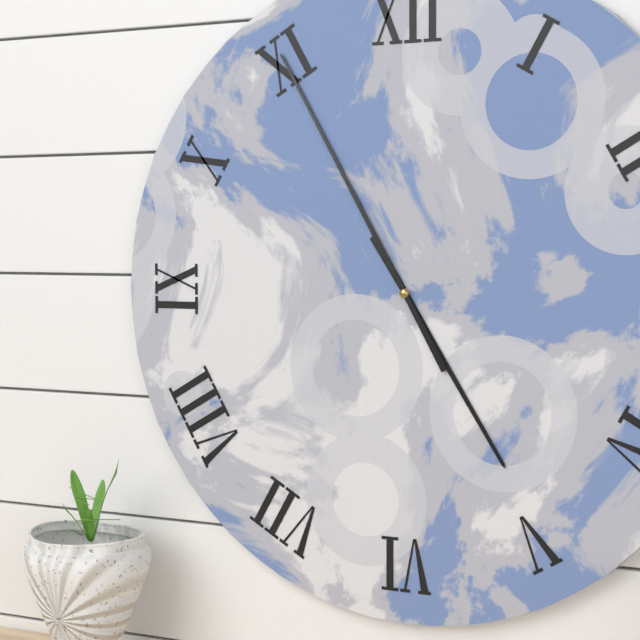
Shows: 4:55
